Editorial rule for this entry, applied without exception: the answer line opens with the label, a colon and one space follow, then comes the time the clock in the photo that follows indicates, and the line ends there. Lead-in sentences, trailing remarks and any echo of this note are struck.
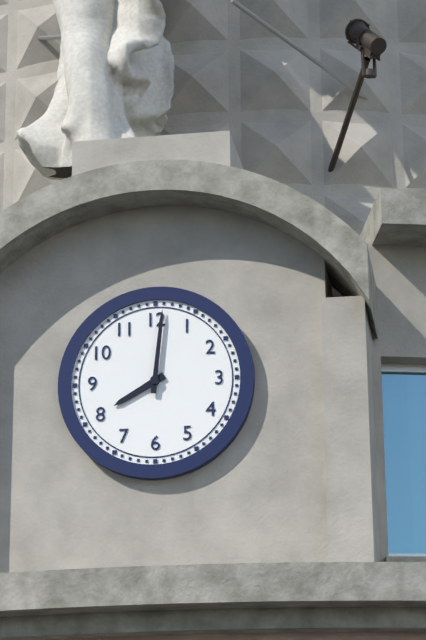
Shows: 8:01
